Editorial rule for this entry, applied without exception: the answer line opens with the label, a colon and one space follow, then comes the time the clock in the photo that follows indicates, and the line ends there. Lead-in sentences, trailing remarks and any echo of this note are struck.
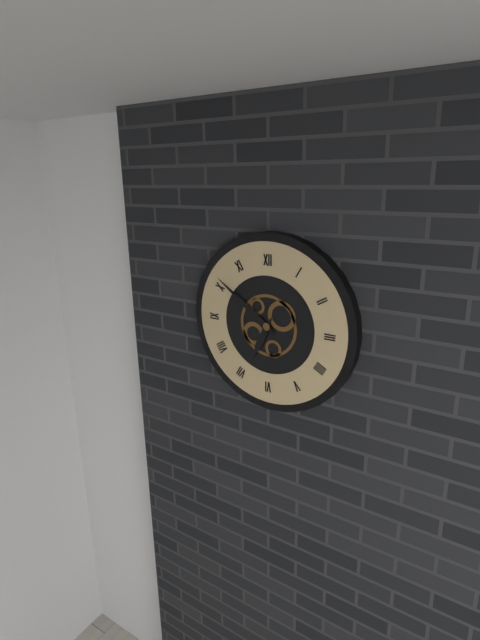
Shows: 6:51
